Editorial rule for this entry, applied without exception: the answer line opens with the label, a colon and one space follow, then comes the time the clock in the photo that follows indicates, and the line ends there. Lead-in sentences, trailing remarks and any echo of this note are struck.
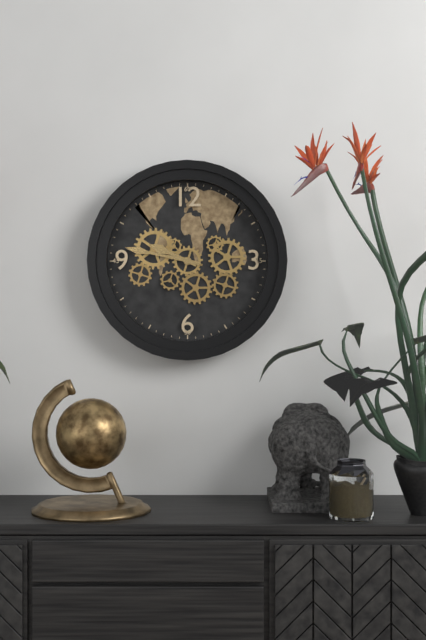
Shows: 9:47
